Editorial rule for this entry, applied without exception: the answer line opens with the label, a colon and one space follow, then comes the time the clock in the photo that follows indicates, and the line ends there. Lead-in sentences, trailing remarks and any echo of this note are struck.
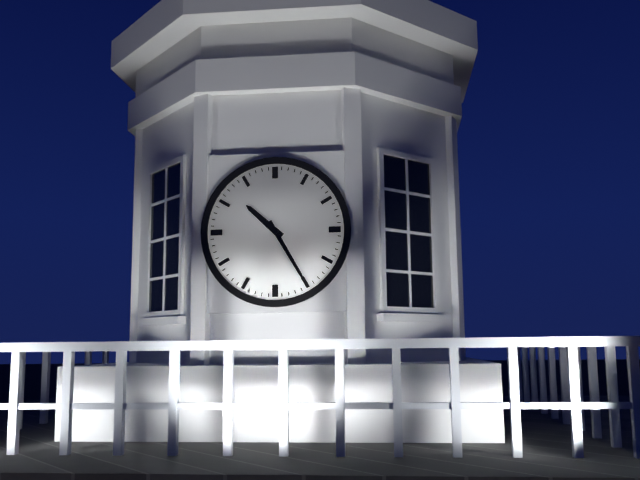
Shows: 10:25
